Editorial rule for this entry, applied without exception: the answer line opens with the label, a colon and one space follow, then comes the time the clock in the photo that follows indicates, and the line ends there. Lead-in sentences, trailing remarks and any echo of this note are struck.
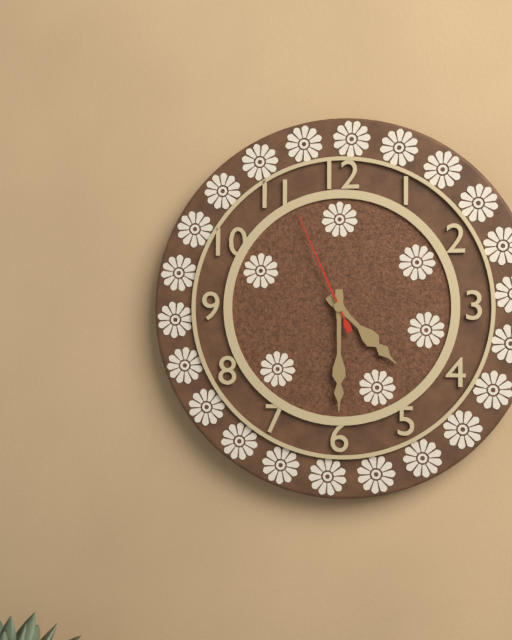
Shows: 4:30:56
